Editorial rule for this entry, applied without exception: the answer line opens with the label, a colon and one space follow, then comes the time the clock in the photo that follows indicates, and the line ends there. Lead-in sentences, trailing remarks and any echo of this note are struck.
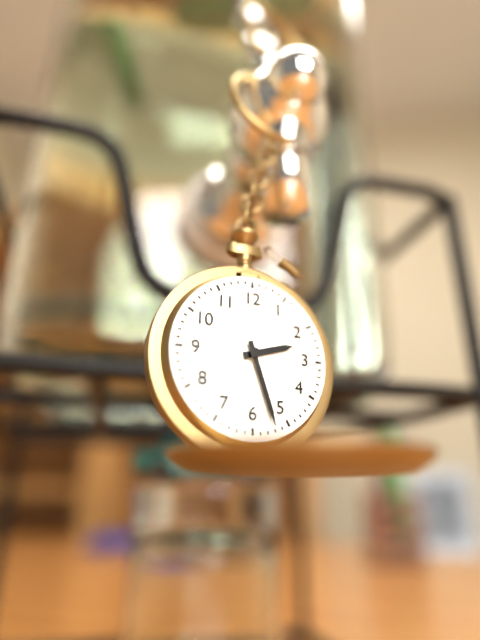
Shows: 2:27
